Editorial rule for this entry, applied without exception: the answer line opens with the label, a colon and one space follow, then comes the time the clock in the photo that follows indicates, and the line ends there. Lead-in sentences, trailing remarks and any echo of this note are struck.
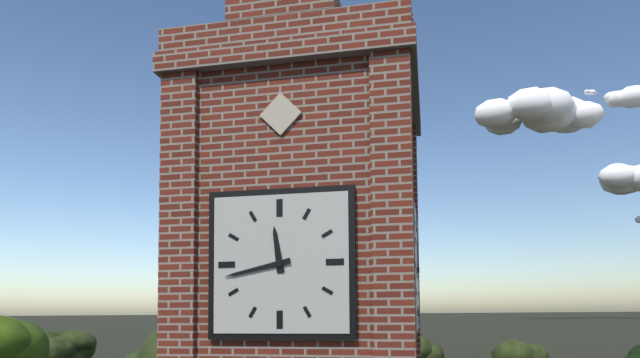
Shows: 11:43
